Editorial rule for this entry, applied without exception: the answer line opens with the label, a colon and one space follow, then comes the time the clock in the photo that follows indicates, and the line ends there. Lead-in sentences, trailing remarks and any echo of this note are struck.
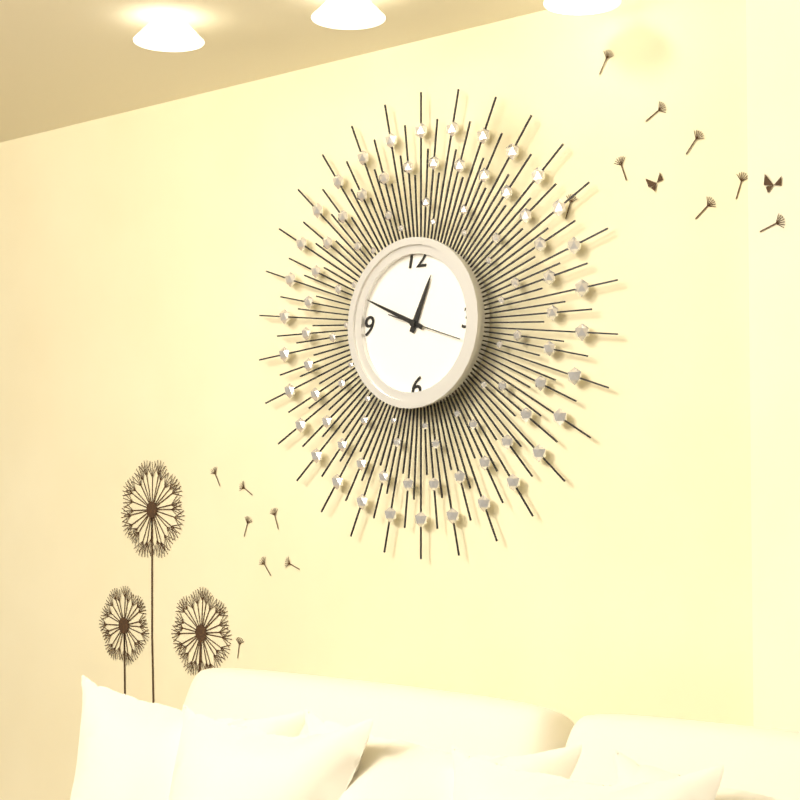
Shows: 12:49:18
